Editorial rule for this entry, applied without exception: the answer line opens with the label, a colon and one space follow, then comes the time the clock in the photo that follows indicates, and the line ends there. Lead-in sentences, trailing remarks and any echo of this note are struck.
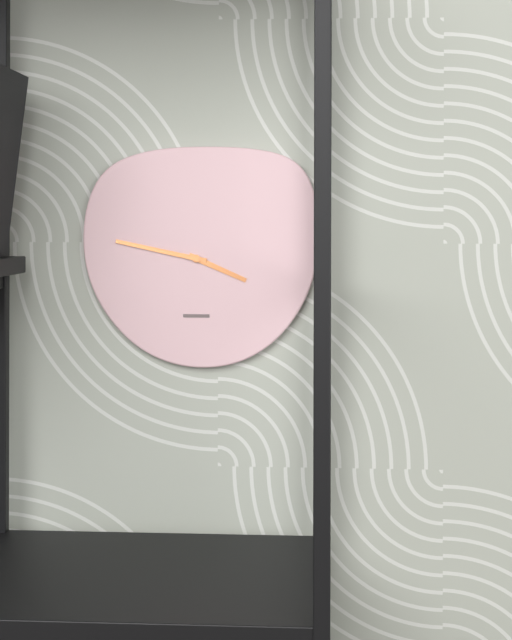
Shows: 3:47
